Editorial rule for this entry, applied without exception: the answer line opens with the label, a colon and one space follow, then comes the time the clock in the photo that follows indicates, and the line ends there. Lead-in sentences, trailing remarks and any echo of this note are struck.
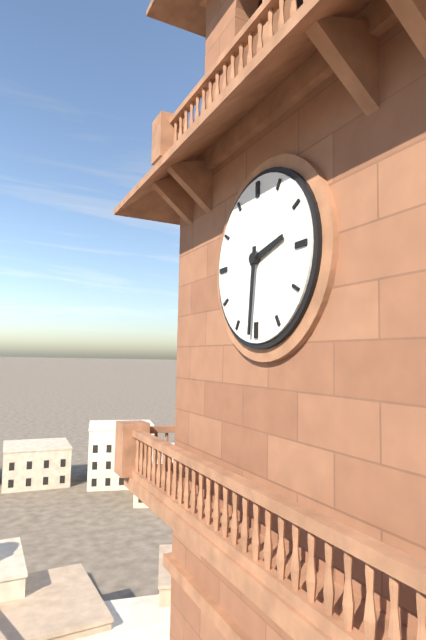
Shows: 2:31
